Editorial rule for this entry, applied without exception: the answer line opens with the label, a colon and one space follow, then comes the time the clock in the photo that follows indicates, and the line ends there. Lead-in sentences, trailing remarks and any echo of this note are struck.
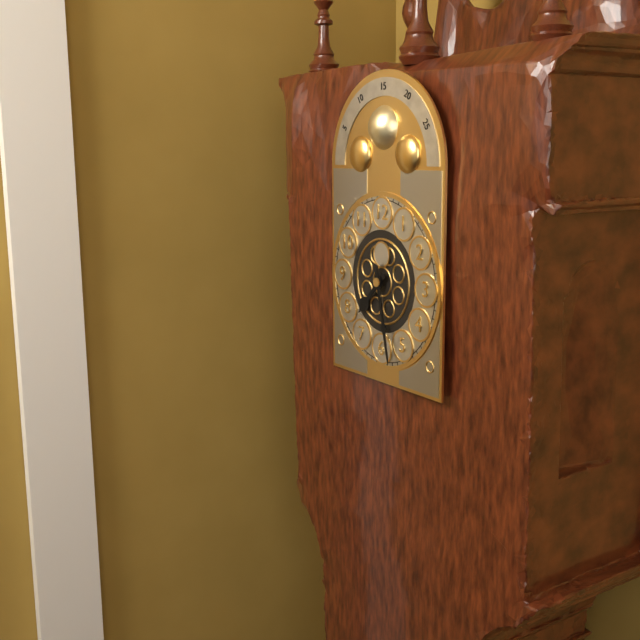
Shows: 7:28
